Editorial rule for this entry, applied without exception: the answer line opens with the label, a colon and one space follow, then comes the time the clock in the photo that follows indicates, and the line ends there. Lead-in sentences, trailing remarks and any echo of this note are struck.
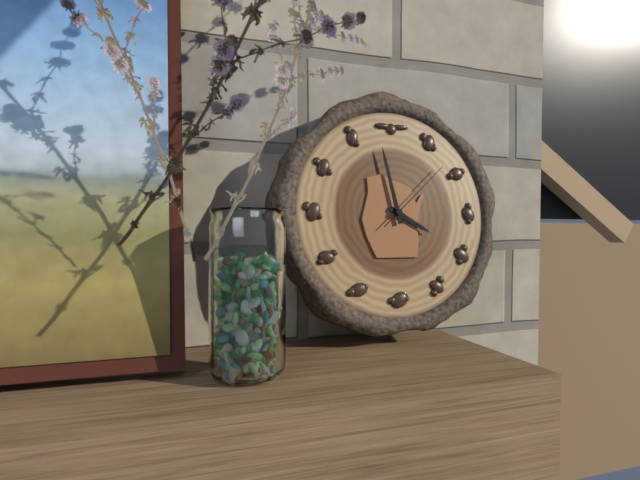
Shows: 3:58:08
